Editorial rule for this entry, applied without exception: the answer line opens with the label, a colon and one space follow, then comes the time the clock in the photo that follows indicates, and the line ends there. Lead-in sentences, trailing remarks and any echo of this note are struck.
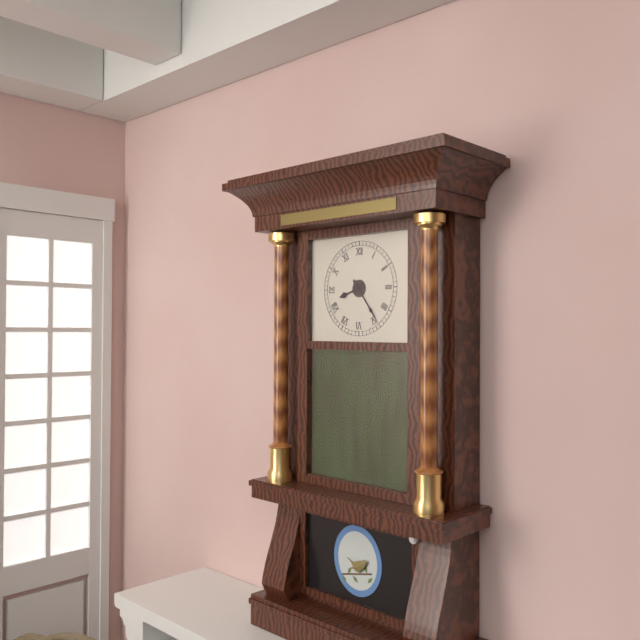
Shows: 8:24
